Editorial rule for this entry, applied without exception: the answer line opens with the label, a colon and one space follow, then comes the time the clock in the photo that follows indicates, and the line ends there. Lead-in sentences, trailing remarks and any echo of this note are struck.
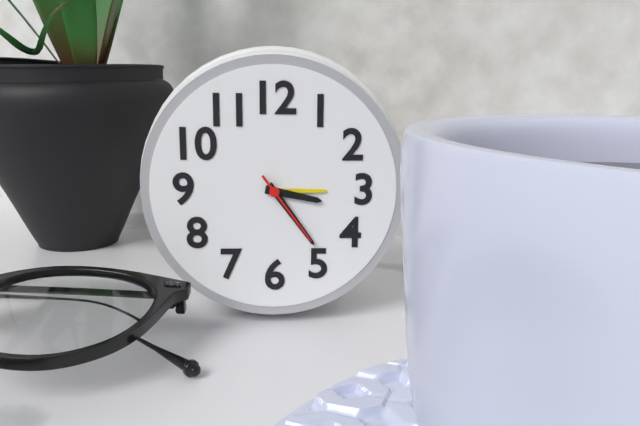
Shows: 3:24:24
